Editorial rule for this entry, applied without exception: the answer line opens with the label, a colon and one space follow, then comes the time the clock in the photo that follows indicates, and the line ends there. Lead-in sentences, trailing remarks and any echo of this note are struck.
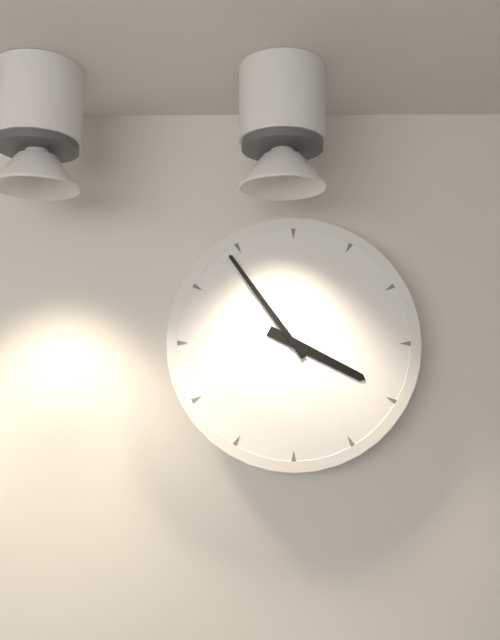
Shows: 3:54
